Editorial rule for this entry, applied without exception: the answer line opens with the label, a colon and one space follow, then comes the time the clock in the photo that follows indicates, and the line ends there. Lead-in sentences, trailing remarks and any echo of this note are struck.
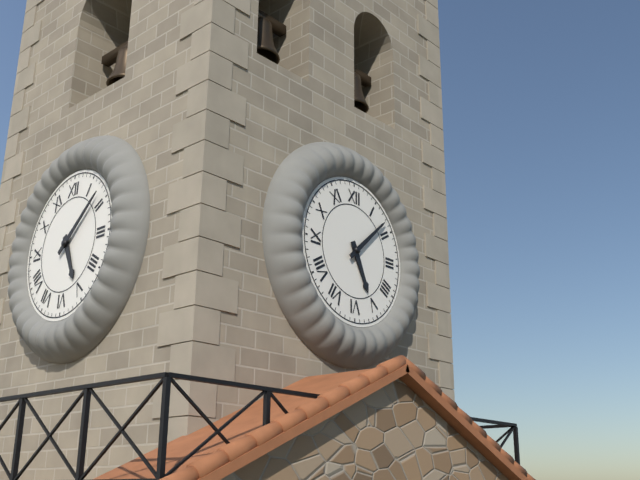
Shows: 5:08
